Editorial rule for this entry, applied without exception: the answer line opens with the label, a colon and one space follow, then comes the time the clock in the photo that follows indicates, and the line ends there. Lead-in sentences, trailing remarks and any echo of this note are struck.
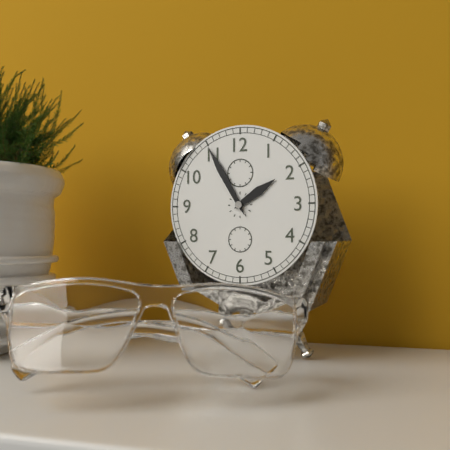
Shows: 1:55
